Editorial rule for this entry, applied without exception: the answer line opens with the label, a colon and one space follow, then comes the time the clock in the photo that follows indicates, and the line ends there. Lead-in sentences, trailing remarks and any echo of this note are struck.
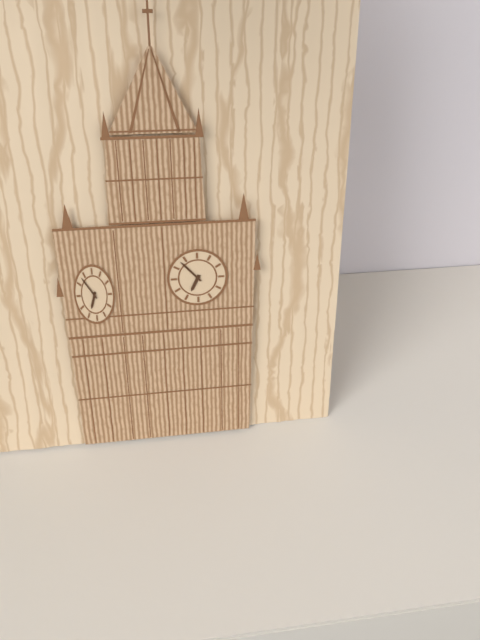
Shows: 6:53
